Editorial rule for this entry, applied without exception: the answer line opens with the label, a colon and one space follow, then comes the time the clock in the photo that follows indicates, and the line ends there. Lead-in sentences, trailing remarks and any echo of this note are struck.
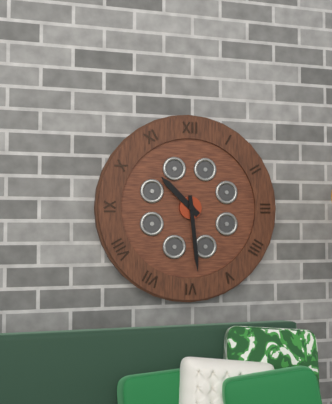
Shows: 10:29
